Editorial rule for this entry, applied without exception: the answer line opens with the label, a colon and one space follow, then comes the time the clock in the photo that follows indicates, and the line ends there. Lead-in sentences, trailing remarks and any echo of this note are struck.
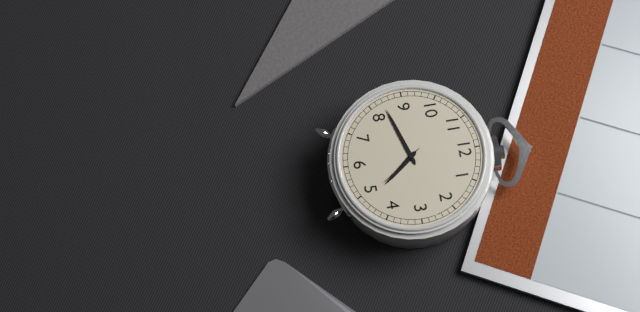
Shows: 4:42
